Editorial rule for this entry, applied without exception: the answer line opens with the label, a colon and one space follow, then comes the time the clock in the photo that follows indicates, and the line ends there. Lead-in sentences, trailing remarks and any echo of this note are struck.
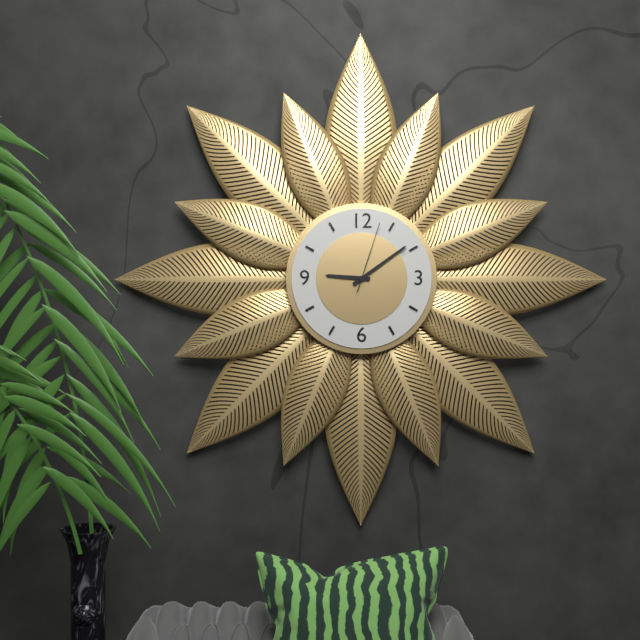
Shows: 9:09:03
